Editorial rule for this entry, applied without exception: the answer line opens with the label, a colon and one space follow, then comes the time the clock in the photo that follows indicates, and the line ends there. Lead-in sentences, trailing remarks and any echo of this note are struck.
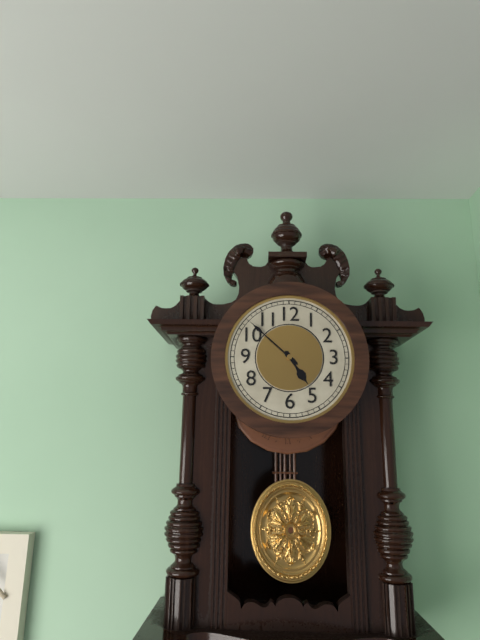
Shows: 4:52
